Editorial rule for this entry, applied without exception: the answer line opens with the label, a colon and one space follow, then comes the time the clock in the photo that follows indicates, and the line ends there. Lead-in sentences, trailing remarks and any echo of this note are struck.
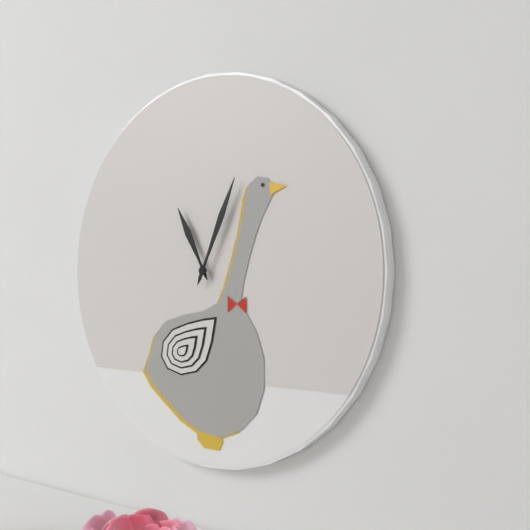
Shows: 11:04
